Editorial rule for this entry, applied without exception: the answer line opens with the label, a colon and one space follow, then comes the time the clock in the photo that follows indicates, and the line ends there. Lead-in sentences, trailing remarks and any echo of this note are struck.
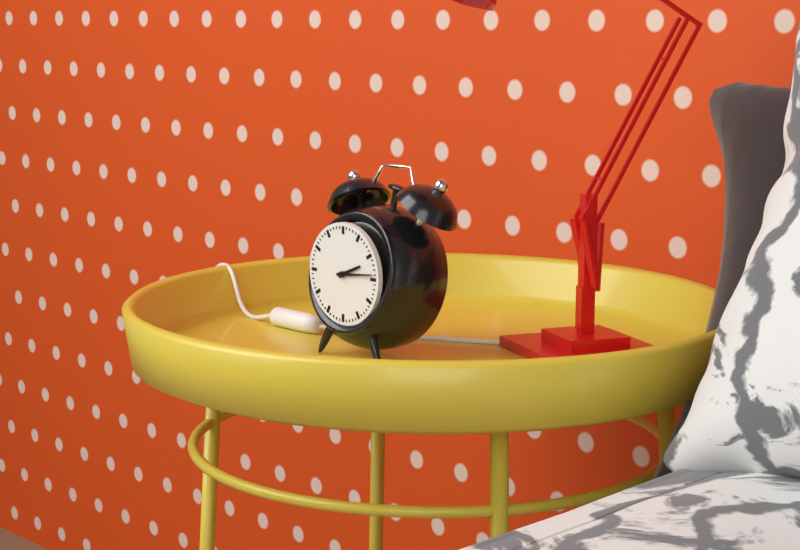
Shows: 2:14
